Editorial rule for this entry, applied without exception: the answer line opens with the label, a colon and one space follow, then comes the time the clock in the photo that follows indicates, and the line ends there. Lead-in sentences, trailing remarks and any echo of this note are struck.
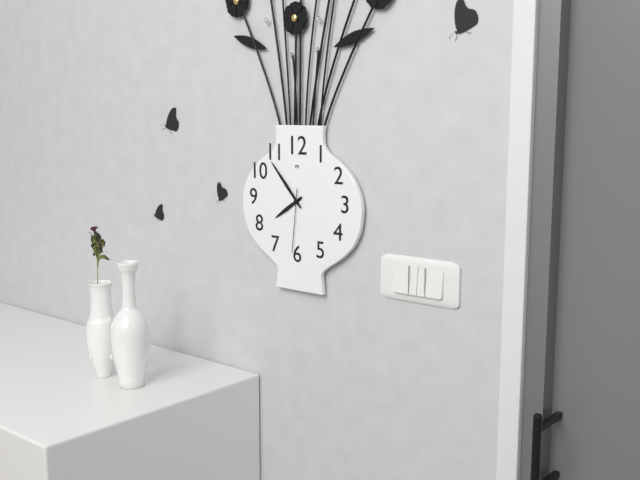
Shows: 7:53:31
